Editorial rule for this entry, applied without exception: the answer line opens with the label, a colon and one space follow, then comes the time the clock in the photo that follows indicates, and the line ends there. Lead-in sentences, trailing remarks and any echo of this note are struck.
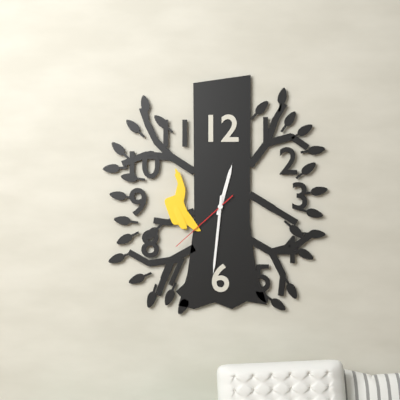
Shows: 12:31:38
